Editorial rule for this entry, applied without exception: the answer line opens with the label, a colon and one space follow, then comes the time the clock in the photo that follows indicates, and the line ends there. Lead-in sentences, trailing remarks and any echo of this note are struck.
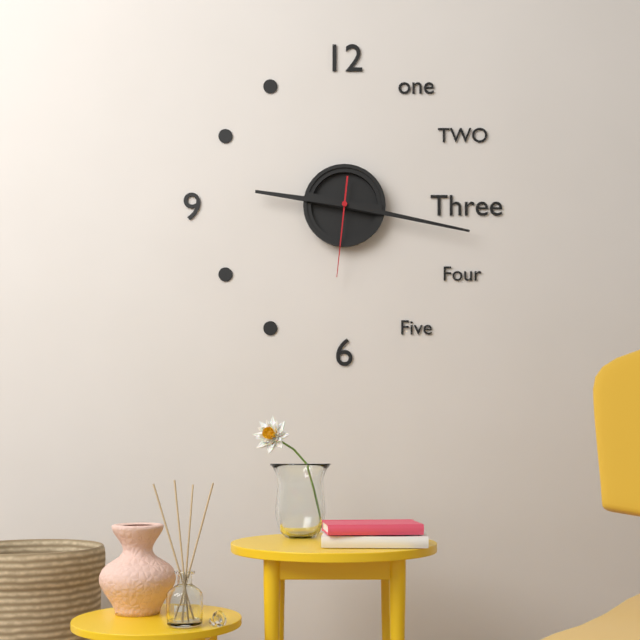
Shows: 9:17:31
